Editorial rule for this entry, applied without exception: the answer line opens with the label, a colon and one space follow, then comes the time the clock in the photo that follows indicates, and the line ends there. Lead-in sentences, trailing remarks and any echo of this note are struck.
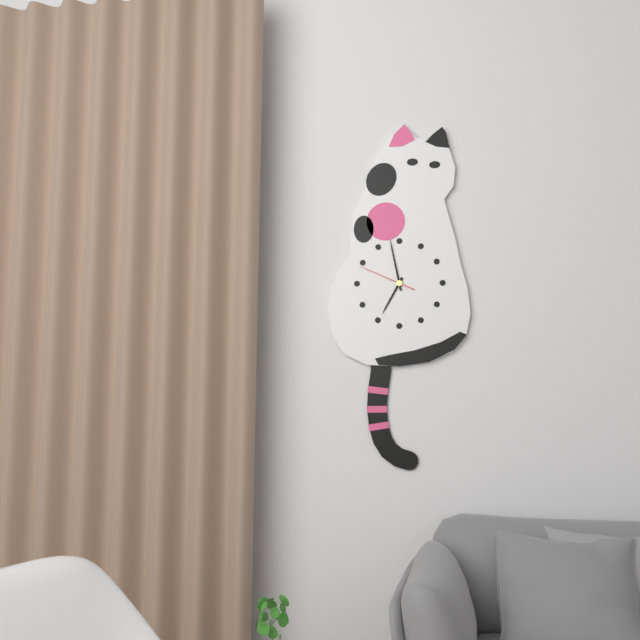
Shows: 6:58:49
